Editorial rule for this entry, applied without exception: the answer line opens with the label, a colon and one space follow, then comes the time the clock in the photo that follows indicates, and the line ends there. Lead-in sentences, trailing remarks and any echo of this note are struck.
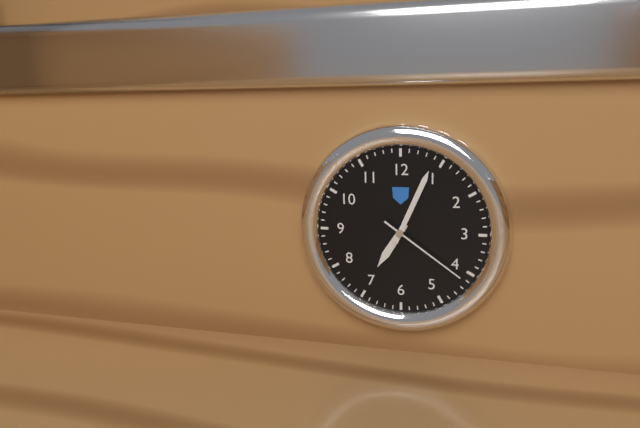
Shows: 7:04:21
